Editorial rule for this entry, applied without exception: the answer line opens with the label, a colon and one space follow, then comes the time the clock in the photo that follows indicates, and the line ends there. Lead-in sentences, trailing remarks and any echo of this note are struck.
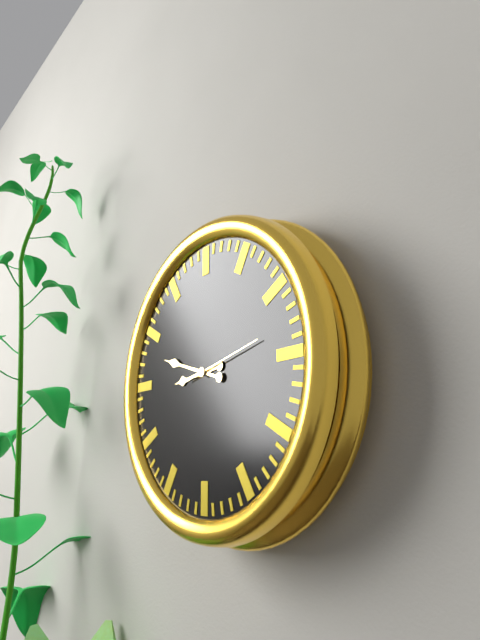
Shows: 8:48:13
